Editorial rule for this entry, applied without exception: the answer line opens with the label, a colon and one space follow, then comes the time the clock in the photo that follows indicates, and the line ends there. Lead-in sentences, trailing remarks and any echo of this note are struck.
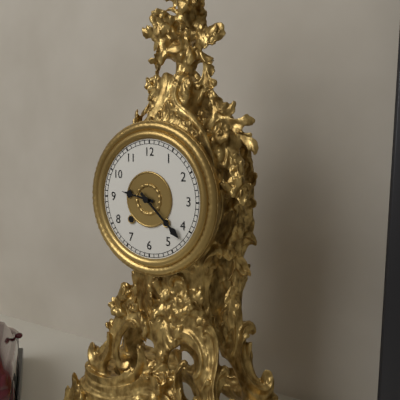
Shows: 9:22
